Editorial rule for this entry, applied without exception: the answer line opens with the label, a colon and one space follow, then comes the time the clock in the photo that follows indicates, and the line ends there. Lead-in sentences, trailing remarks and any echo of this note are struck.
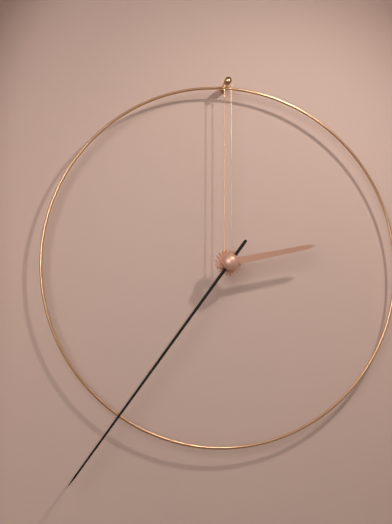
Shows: 2:36
